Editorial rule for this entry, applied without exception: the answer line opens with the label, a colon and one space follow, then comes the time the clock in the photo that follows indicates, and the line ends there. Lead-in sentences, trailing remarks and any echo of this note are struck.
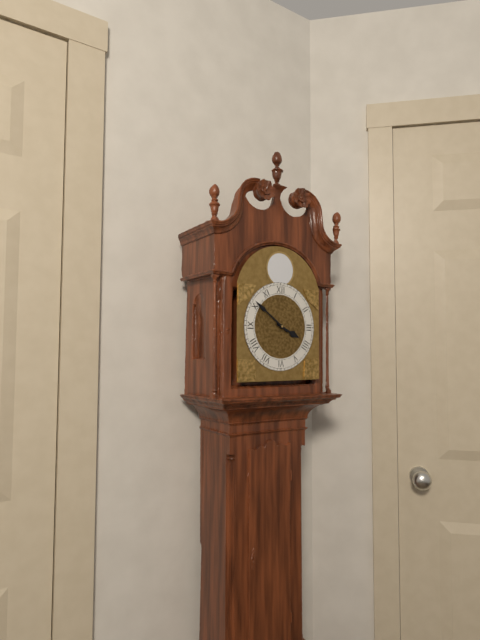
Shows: 3:51
